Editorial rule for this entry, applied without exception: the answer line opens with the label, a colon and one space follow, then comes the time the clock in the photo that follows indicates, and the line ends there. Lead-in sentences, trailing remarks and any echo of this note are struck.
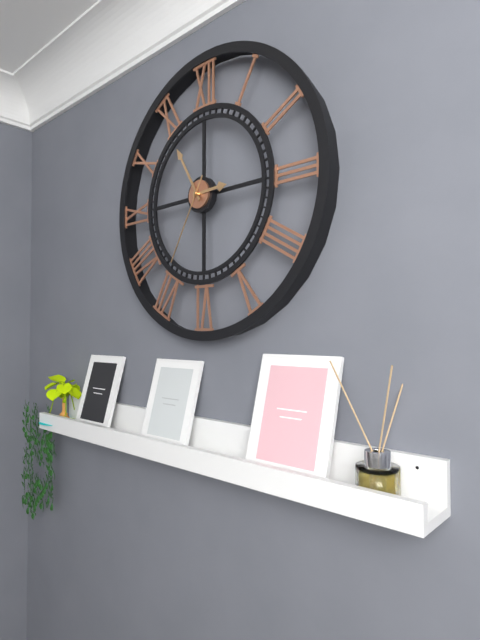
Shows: 2:55:35
